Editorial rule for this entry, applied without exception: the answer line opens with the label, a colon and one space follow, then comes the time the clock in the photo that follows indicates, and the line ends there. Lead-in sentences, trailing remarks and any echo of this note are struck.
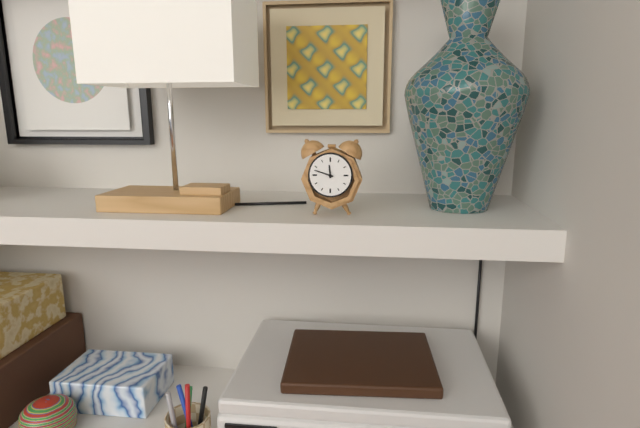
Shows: 11:48
